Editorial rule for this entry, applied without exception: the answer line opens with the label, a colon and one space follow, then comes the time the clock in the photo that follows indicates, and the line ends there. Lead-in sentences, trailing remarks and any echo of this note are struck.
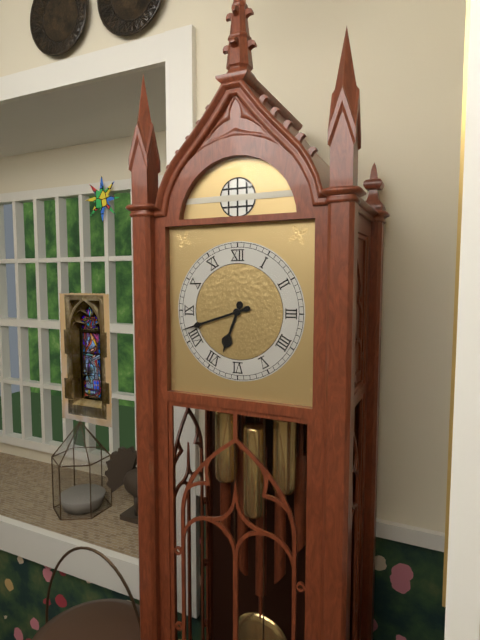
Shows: 6:42
